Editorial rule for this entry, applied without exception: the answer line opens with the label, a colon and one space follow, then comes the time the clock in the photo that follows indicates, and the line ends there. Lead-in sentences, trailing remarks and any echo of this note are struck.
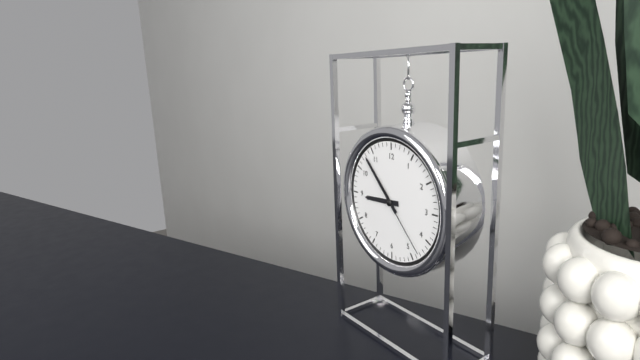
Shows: 8:53:23
